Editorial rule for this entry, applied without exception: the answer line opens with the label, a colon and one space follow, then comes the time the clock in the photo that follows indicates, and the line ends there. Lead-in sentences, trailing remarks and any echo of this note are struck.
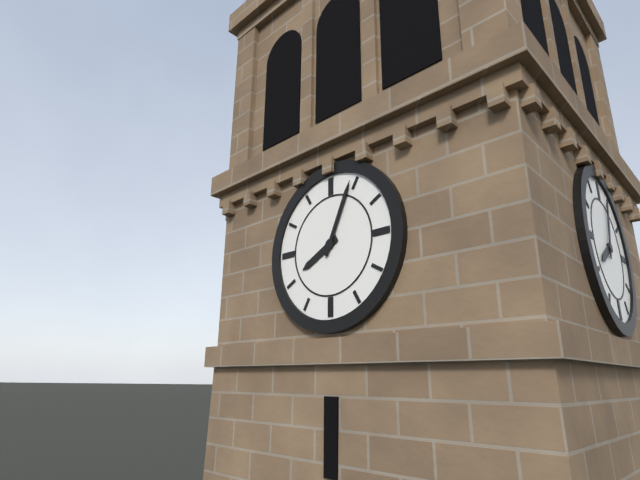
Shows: 8:04
